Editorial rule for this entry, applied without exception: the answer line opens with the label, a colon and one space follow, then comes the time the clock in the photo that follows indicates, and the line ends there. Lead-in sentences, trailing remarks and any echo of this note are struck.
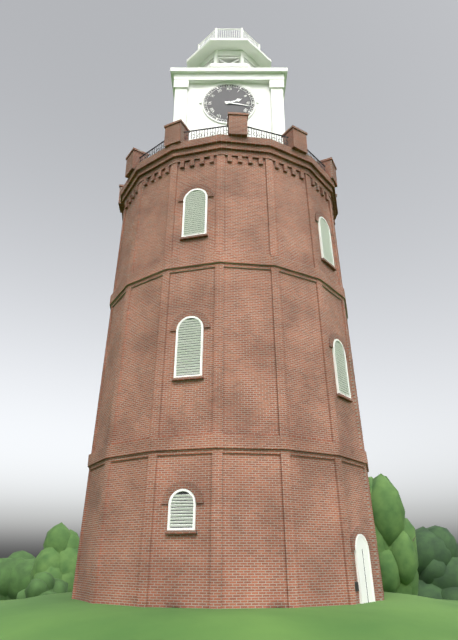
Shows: 2:17
